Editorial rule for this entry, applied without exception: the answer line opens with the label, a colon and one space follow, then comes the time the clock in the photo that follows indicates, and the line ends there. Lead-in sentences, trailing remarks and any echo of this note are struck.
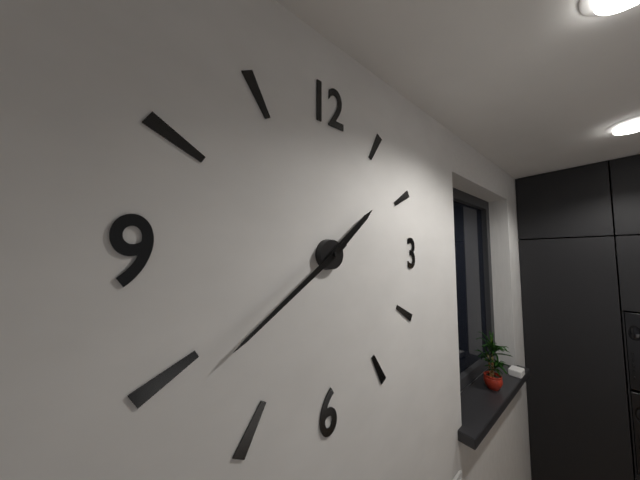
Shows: 1:39
